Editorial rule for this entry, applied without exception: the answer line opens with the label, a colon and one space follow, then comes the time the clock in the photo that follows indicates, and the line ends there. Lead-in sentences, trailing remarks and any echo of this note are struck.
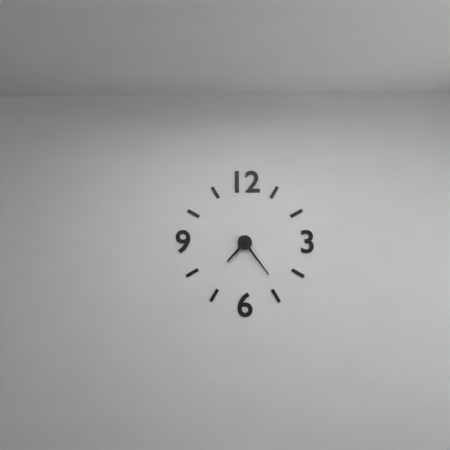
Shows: 7:24
